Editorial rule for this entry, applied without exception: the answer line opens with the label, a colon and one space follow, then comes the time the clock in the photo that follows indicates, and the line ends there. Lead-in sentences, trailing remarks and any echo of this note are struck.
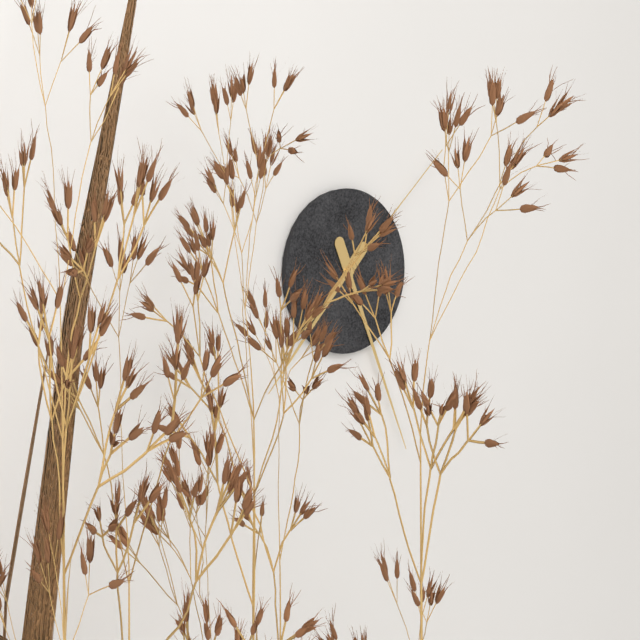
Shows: 7:26:08
